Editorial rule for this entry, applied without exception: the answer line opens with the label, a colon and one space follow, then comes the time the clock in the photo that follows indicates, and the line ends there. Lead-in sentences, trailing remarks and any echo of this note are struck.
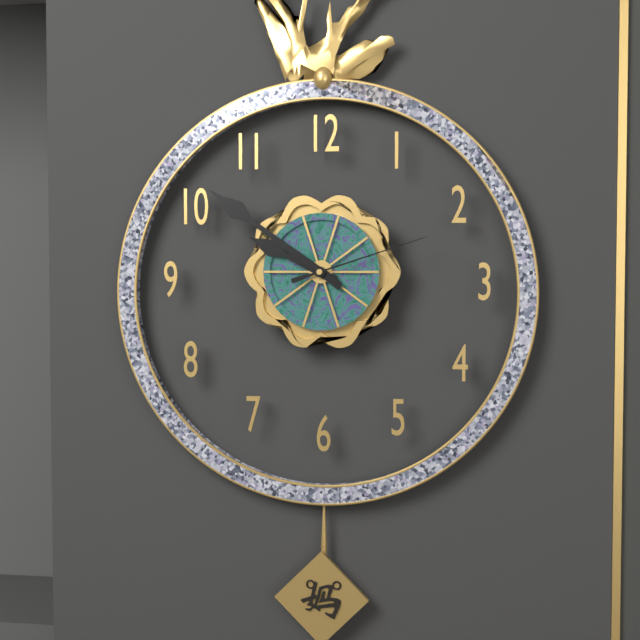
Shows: 9:51:12
